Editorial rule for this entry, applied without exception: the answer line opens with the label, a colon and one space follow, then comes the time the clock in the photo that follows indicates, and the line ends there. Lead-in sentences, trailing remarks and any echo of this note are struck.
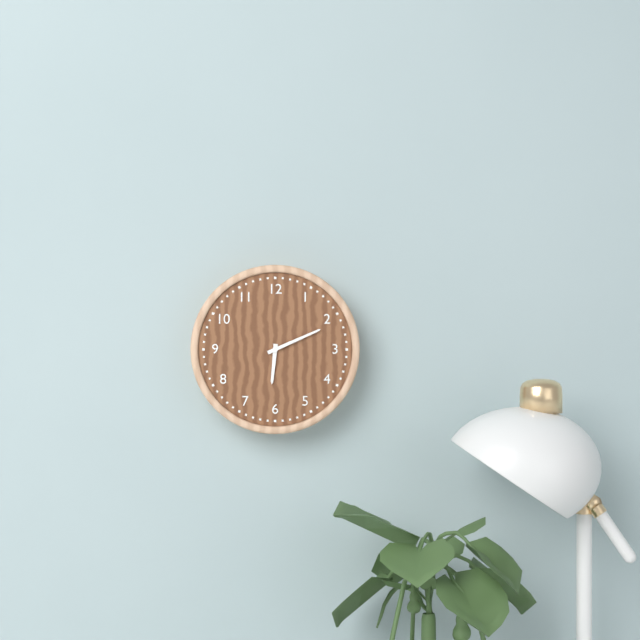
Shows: 6:11
